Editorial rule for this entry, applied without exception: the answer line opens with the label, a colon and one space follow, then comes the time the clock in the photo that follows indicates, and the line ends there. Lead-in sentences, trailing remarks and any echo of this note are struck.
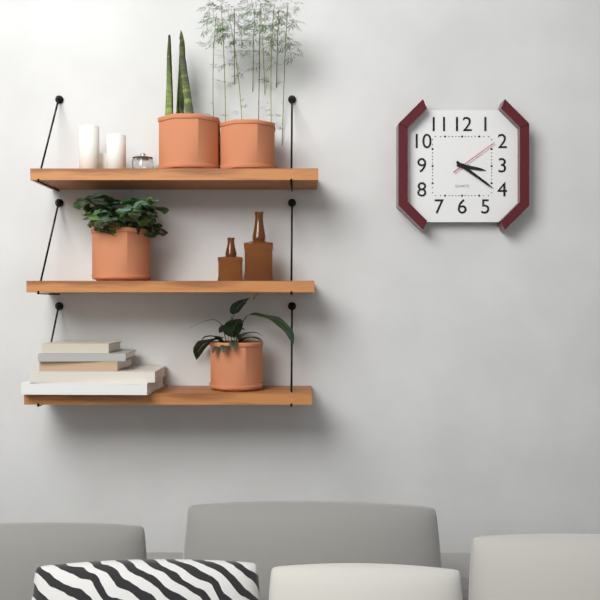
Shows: 3:21
